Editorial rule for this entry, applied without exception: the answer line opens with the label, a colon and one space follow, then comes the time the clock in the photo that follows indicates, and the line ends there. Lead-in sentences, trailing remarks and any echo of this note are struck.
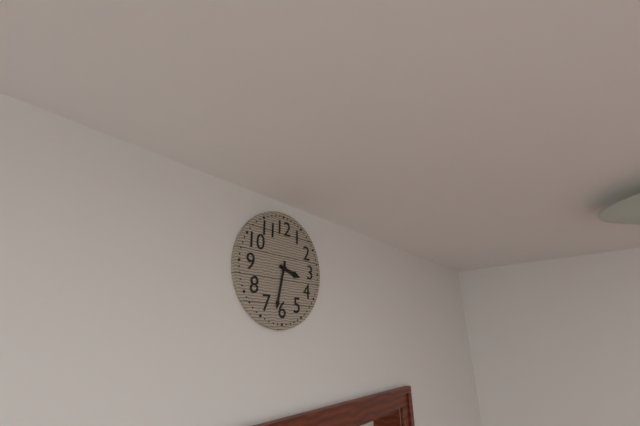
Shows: 3:32
